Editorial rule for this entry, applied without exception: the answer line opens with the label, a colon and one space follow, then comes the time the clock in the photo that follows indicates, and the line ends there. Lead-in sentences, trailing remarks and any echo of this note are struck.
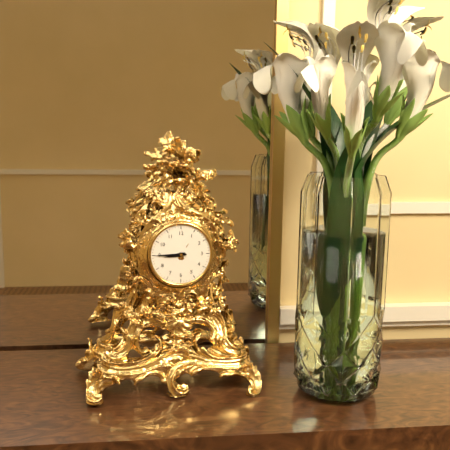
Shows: 8:45
